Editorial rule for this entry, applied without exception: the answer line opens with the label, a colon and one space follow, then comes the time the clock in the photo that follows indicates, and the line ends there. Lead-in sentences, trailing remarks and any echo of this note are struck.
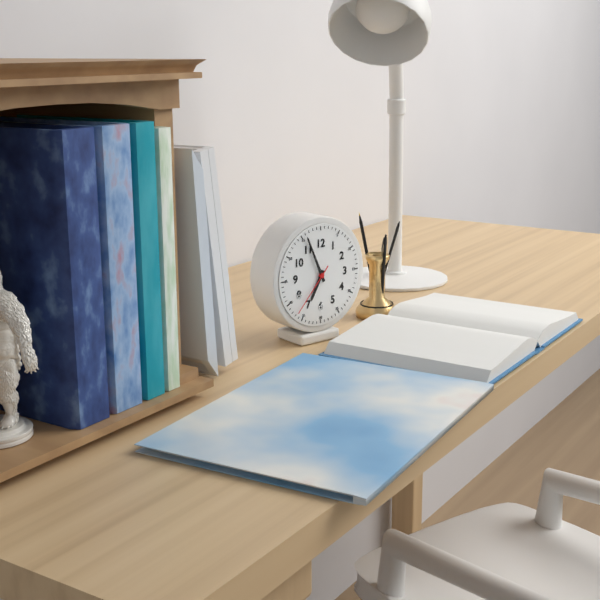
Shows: 6:56:37
